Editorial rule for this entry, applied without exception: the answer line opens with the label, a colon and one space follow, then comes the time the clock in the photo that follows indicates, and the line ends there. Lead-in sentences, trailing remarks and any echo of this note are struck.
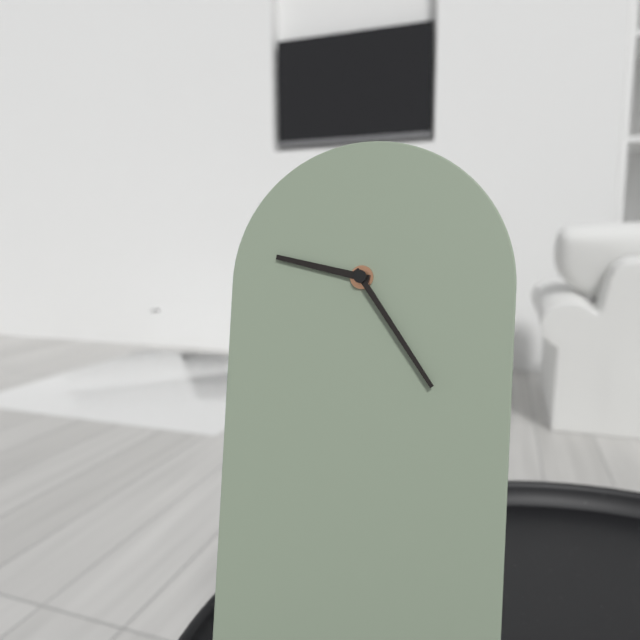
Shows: 9:24
